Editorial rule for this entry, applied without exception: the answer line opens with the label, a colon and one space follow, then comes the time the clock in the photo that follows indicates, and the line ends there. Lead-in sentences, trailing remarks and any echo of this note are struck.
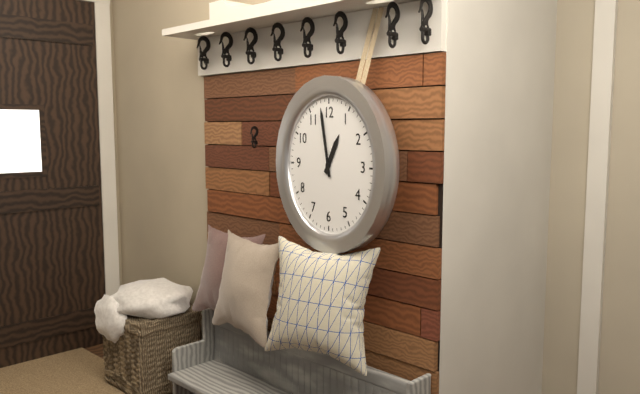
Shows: 12:58
